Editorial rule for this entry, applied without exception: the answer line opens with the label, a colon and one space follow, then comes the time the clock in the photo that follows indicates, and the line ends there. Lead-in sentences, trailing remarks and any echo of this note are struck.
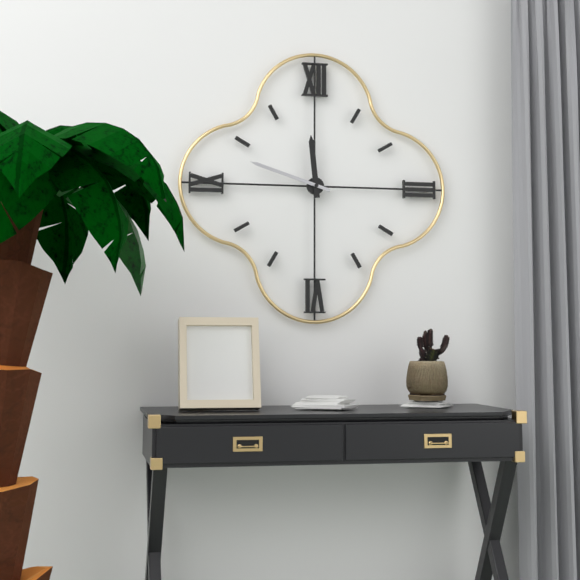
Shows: 11:48
